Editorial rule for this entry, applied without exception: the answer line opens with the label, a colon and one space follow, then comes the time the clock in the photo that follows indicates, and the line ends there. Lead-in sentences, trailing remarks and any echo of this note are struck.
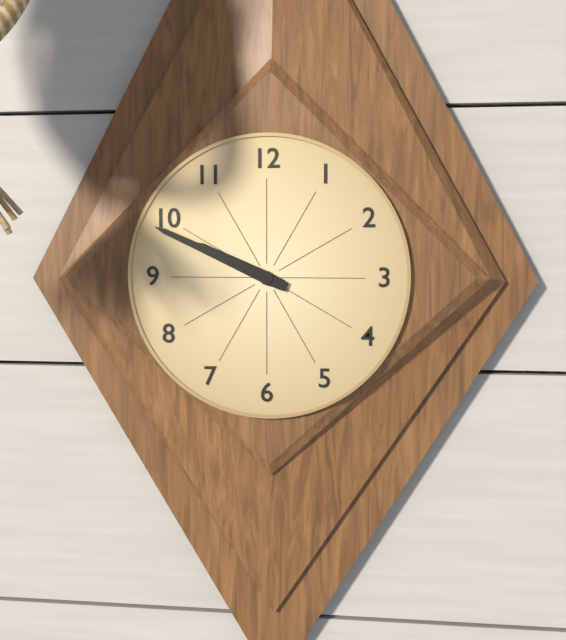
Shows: 9:49
